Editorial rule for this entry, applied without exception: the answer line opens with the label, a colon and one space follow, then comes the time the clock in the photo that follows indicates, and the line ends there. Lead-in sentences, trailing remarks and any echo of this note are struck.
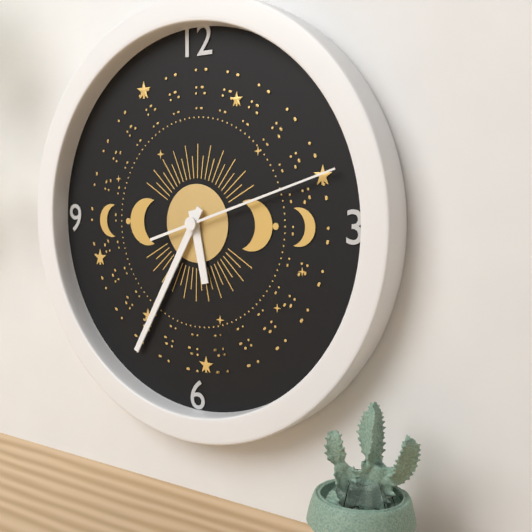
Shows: 5:35:12
